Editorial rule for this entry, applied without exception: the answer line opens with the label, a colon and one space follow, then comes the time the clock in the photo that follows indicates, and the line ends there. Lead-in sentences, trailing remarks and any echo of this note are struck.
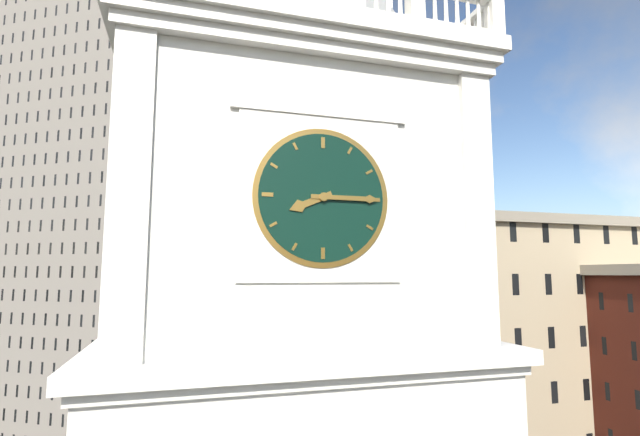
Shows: 8:15
